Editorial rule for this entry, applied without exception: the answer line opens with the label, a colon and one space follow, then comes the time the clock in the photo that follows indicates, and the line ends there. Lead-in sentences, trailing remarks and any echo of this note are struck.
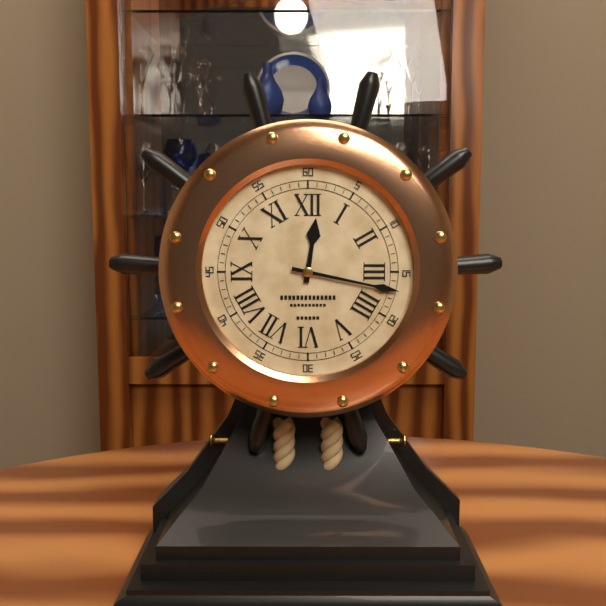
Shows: 12:17
